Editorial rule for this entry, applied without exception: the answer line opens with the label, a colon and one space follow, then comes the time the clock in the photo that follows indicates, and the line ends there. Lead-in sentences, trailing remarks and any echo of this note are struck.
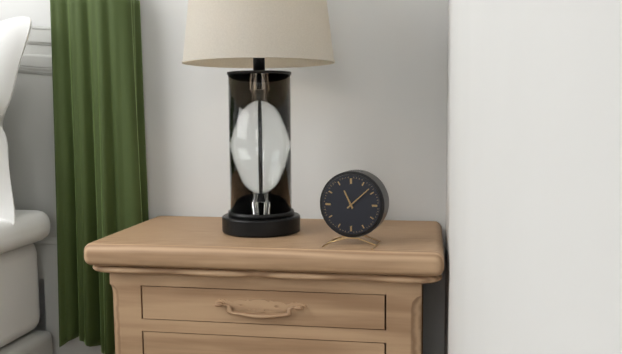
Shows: 11:08
